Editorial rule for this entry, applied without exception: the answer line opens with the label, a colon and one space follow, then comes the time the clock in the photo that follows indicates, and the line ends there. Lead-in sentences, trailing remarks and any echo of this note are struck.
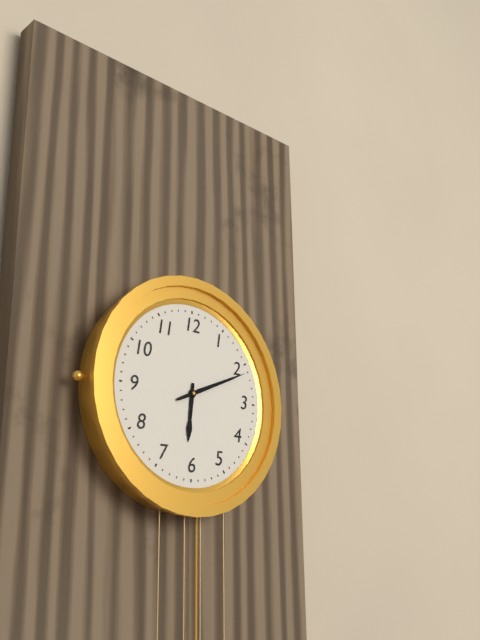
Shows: 6:11
